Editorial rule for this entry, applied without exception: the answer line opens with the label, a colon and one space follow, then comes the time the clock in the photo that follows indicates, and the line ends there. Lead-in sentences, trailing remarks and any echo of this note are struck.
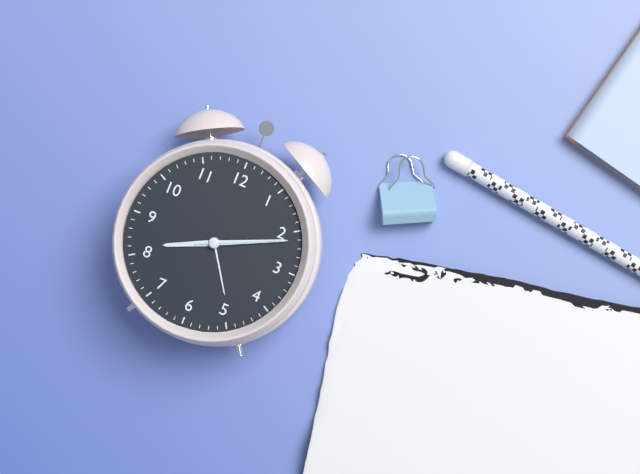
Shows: 8:11:11
